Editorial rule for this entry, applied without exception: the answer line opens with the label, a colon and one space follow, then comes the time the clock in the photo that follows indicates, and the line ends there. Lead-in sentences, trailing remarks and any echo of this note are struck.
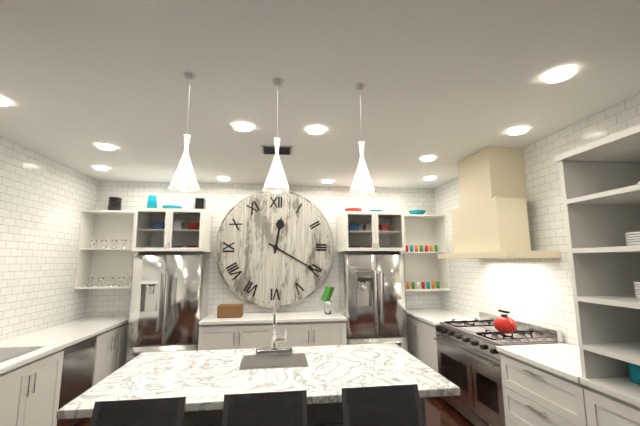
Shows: 12:20
